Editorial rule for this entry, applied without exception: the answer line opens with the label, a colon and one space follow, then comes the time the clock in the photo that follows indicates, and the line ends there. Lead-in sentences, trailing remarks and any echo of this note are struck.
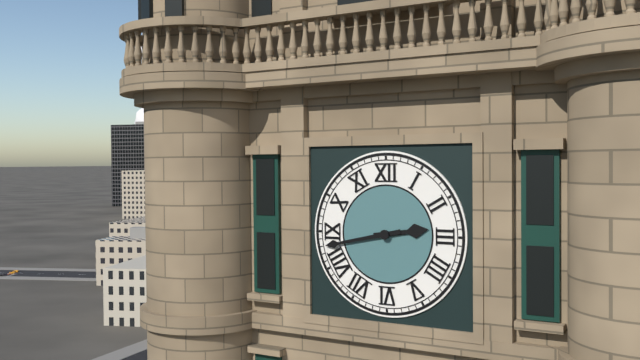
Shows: 2:43
